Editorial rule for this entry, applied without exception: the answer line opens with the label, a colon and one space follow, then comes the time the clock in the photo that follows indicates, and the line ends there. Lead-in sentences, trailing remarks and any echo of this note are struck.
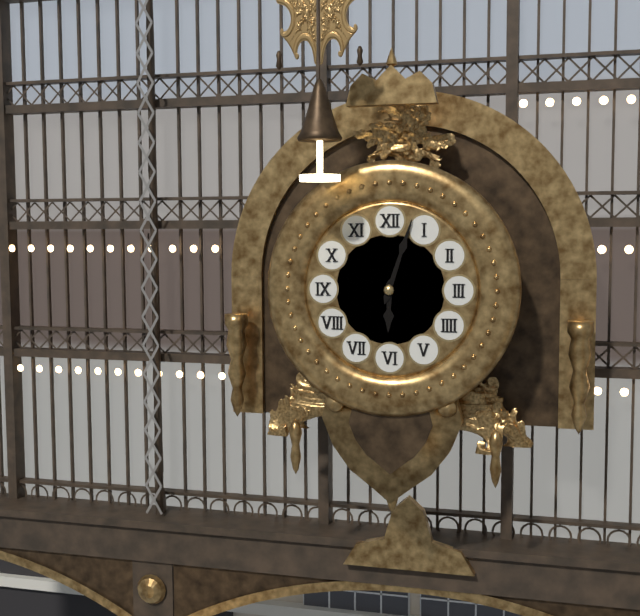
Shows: 6:03
